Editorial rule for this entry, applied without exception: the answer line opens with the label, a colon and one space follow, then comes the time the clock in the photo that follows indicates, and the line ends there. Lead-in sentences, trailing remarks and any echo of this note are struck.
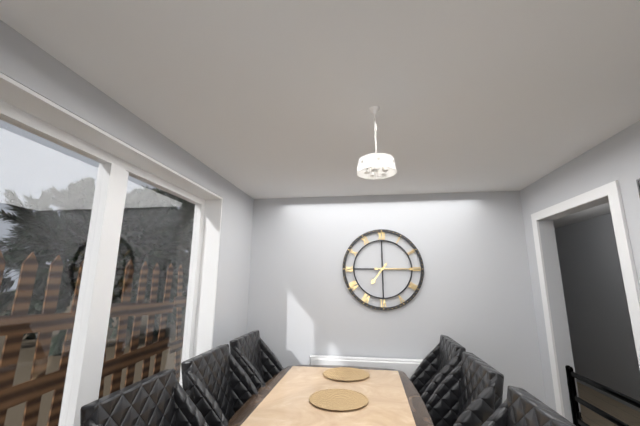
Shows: 7:15
